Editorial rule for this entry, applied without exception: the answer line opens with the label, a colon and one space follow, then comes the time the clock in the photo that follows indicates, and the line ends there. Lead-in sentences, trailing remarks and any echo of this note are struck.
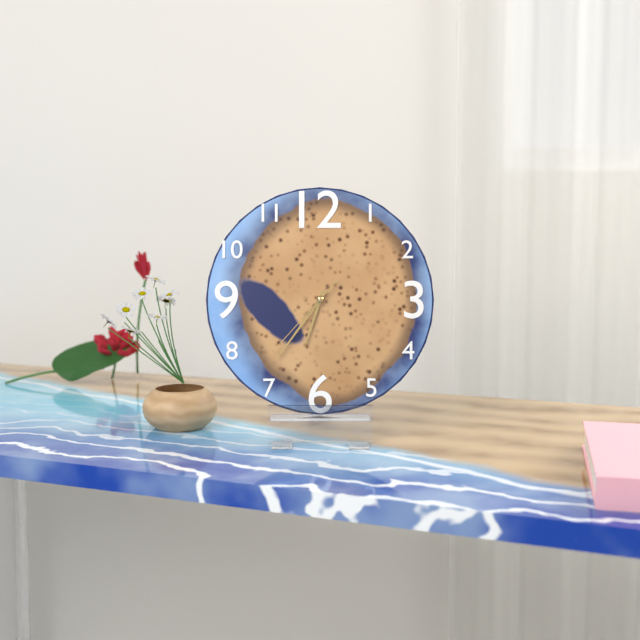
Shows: 6:36:37
